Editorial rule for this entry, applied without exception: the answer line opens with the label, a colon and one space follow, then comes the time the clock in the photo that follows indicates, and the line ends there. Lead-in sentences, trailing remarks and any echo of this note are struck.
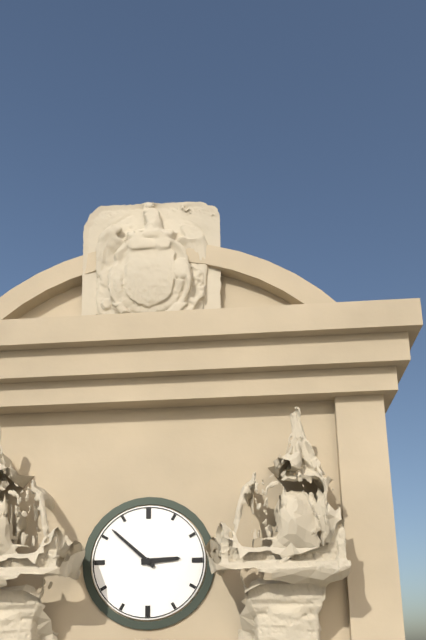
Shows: 2:52
